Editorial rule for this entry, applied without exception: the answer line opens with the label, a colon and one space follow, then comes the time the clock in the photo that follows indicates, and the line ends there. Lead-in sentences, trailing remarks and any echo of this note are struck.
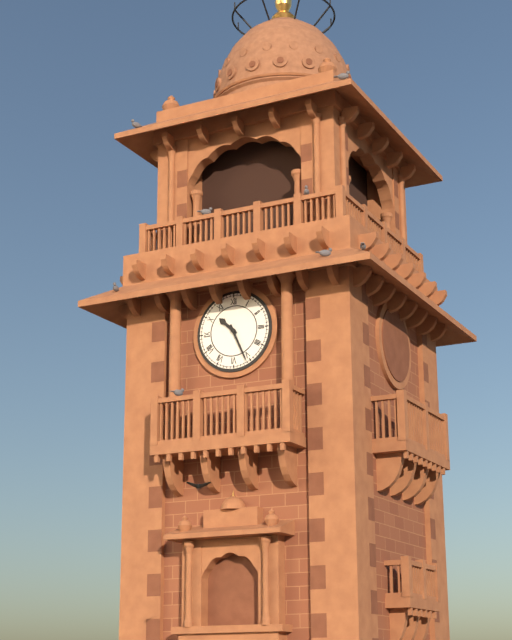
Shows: 10:26
